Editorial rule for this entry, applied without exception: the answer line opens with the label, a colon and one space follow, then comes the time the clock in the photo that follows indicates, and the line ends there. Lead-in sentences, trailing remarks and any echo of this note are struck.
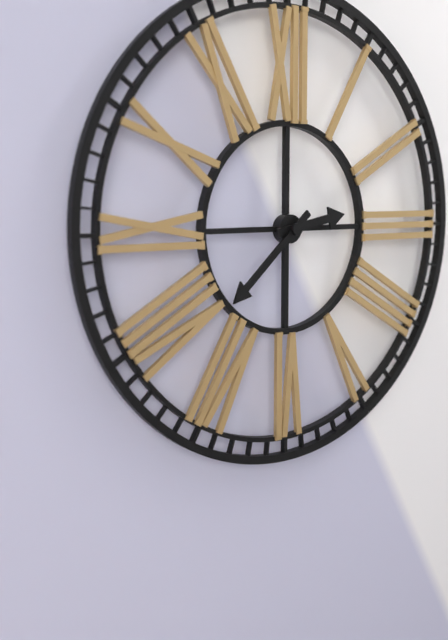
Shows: 2:38
